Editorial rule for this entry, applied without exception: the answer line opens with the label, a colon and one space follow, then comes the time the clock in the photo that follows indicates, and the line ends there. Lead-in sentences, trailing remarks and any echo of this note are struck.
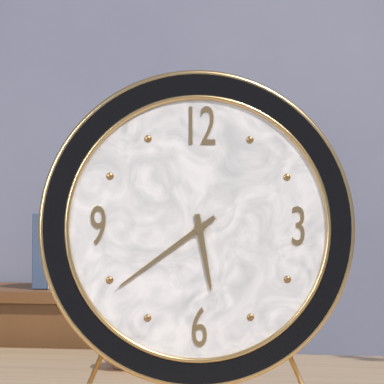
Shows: 5:39
